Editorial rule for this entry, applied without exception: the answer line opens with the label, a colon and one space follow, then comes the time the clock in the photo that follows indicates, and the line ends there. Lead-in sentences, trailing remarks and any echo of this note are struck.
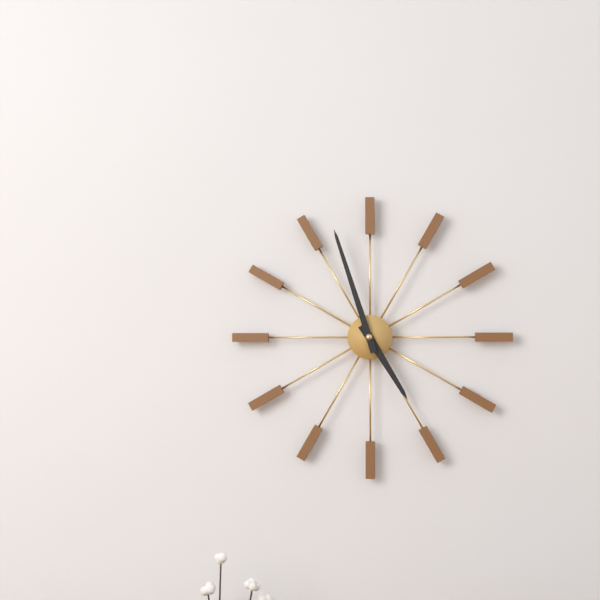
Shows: 4:57
